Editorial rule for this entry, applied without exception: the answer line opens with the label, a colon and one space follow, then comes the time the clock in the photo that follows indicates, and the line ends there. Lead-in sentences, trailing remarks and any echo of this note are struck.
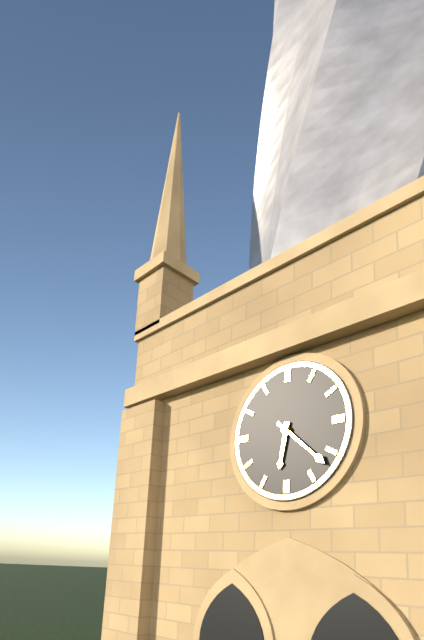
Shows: 6:22
